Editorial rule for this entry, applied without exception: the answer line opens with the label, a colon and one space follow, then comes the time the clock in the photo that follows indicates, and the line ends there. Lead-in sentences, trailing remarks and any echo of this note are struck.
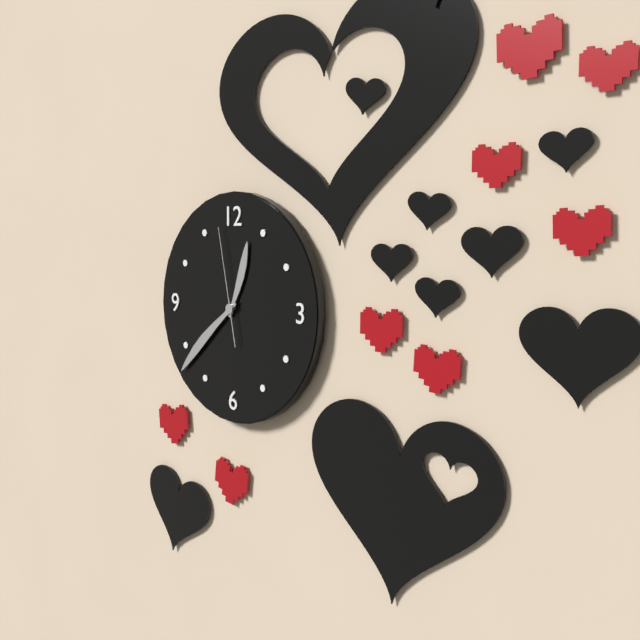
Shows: 12:38:58
